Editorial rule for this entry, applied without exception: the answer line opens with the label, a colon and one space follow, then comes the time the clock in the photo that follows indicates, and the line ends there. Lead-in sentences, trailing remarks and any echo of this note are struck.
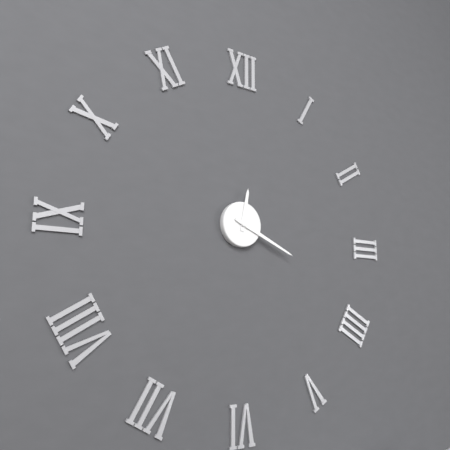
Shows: 12:19
